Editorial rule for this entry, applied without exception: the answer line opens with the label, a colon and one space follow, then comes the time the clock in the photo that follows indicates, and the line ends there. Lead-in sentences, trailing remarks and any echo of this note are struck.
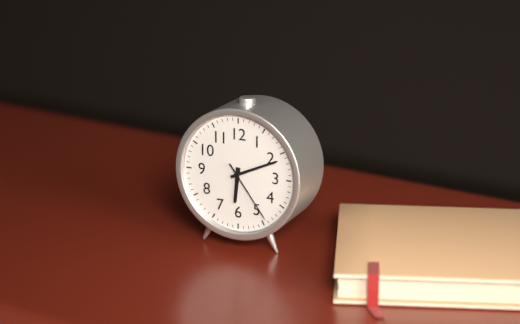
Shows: 6:11:24
